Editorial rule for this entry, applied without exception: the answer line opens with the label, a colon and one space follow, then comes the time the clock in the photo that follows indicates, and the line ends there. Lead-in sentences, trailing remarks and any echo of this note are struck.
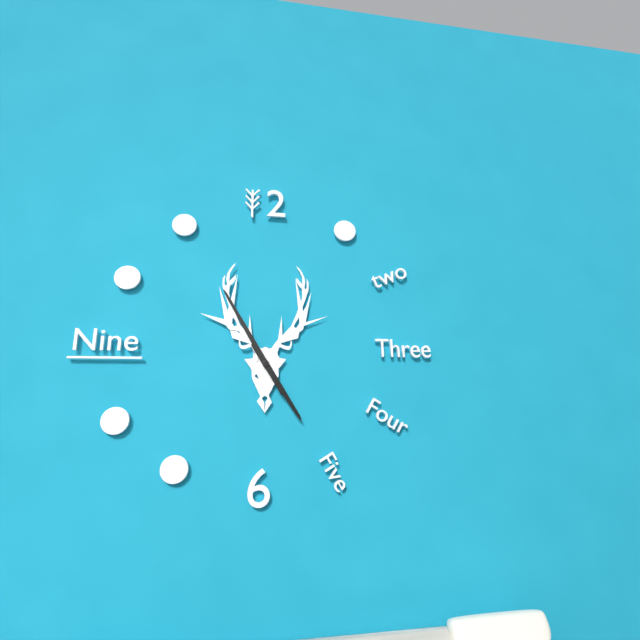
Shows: 4:55
